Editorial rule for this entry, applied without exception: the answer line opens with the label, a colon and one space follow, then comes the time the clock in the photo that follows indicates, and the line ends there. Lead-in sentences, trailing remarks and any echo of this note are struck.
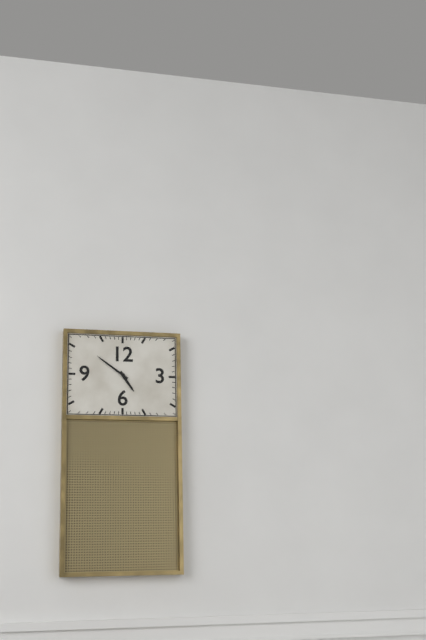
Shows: 4:51
